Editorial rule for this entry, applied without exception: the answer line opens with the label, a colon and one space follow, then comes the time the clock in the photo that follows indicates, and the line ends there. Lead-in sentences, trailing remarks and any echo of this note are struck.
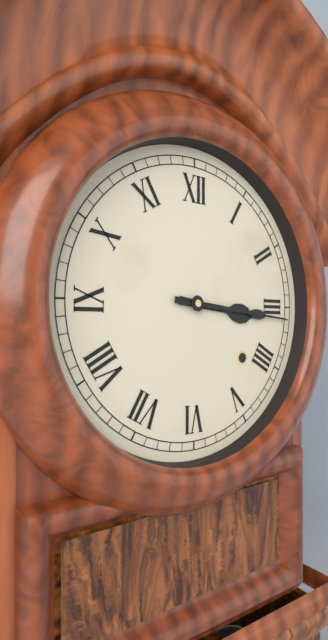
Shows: 3:16
